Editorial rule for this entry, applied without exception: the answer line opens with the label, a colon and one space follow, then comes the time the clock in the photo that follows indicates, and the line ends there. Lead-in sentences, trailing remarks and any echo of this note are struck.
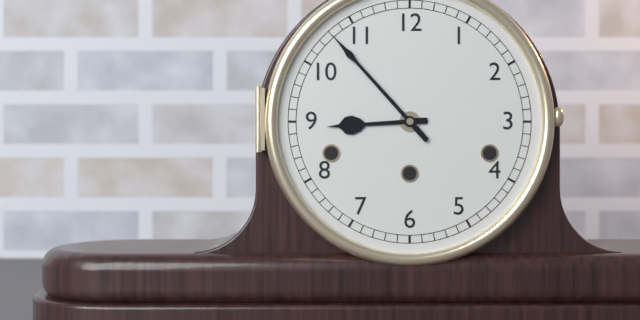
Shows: 8:53
